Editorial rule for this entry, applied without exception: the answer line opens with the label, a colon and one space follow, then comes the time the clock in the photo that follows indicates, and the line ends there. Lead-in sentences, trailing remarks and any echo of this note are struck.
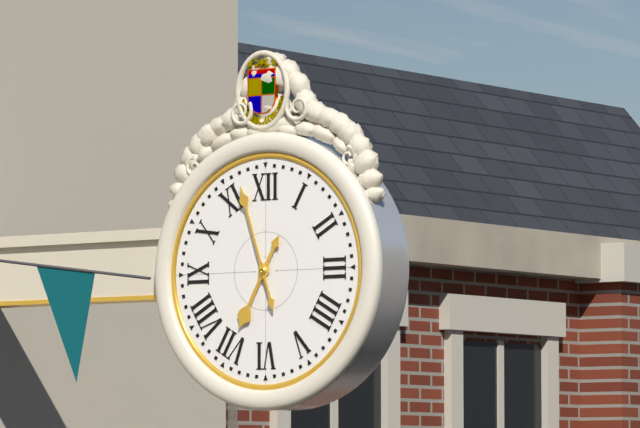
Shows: 6:57
